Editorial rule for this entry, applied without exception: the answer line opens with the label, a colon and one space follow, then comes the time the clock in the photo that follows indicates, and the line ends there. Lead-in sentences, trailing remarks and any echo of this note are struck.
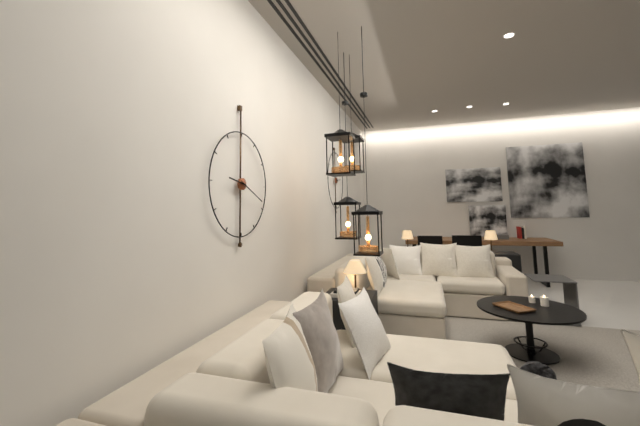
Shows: 9:19
